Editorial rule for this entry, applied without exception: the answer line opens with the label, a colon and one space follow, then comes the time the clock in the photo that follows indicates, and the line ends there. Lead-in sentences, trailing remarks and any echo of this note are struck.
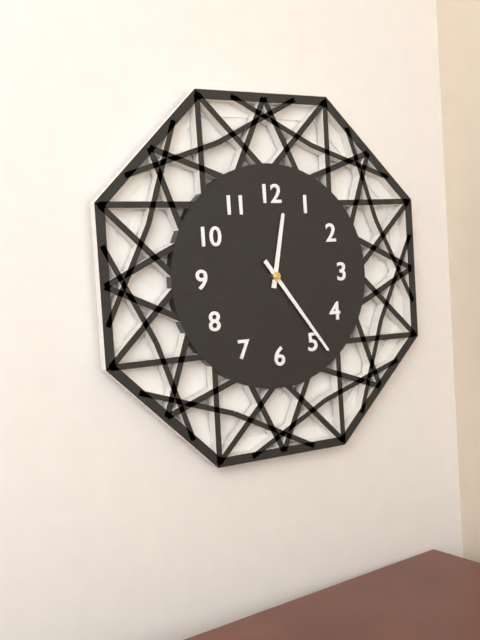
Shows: 12:24
